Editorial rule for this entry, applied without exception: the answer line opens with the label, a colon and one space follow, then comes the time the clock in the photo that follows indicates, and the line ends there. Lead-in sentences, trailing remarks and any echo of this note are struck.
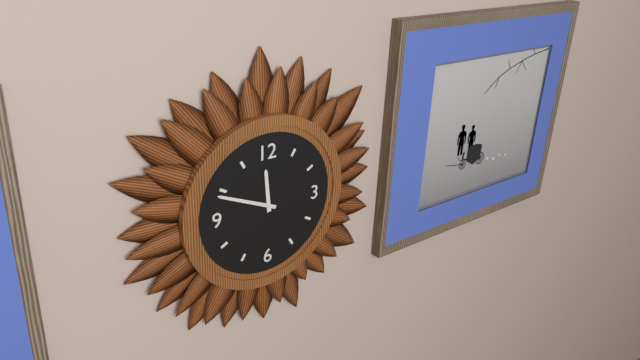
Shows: 11:49
